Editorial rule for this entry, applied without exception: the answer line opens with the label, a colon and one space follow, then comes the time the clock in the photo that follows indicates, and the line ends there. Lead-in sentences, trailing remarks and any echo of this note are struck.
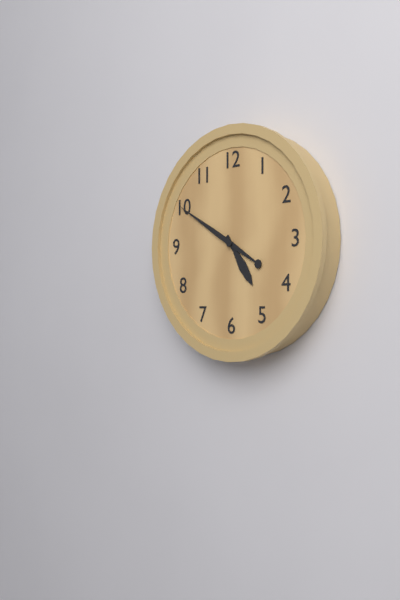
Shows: 4:50
